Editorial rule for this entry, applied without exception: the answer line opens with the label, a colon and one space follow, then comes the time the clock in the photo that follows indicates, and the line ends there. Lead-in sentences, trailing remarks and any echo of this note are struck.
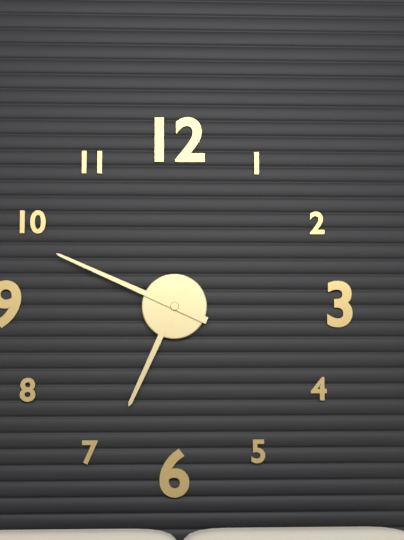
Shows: 6:49
